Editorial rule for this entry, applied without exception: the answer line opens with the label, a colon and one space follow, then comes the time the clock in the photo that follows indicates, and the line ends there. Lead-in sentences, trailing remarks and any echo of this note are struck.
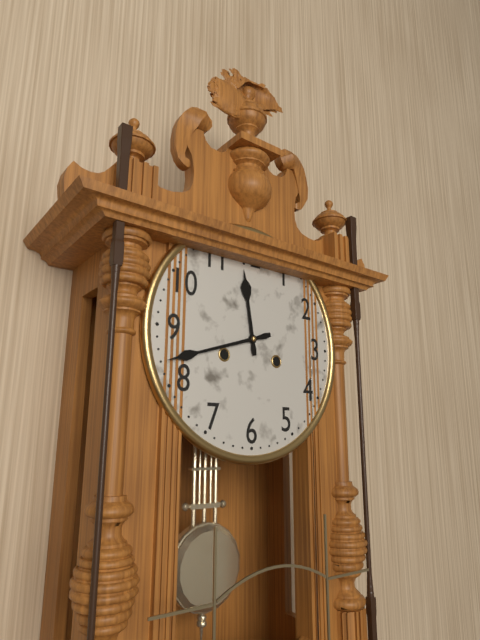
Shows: 11:42
